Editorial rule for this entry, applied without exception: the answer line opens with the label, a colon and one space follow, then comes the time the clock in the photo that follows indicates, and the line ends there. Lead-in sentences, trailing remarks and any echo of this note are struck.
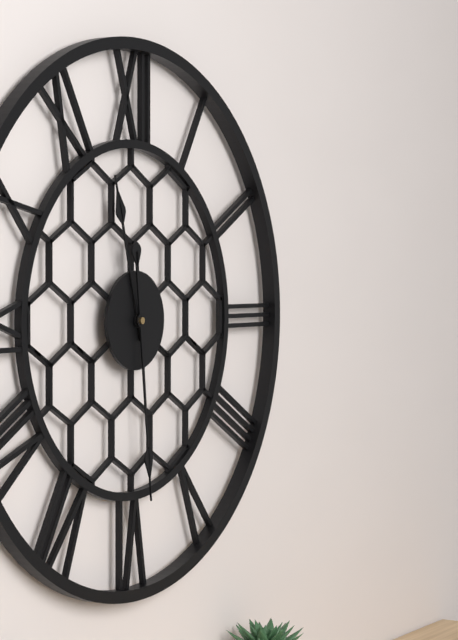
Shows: 11:29
